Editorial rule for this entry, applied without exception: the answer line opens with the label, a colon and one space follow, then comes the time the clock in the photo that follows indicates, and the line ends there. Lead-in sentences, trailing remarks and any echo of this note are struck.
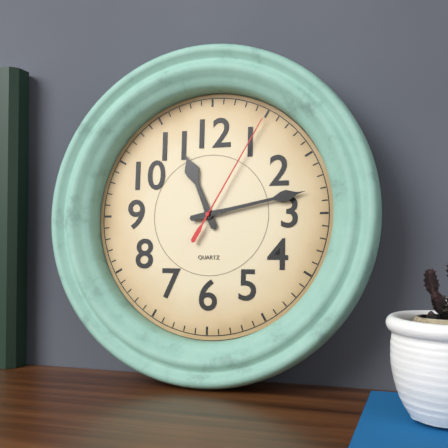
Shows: 11:13:05
